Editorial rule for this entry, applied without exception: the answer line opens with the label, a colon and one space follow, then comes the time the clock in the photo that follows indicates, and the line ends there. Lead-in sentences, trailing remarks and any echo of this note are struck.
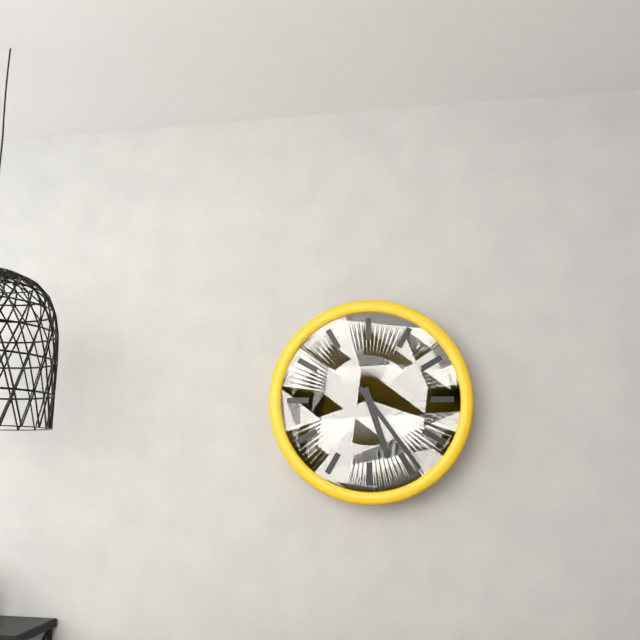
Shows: 5:24
